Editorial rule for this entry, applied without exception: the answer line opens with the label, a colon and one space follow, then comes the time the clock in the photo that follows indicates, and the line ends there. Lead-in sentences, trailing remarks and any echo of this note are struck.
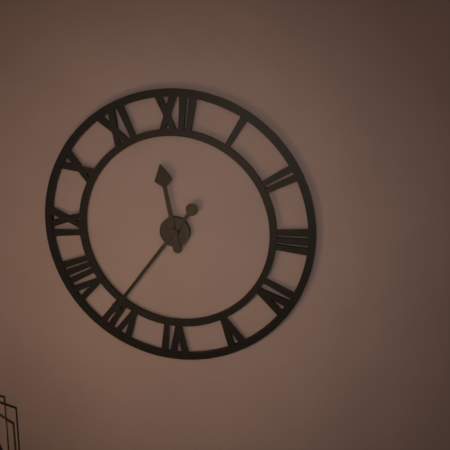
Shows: 11:36
